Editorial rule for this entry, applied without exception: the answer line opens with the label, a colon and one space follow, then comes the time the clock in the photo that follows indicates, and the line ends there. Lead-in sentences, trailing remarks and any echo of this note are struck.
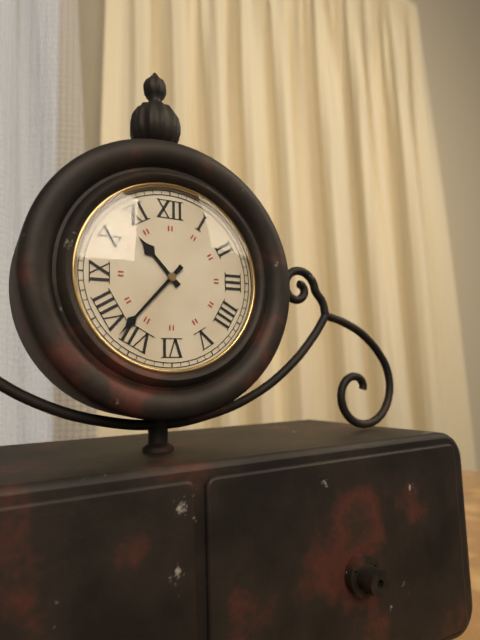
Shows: 10:37
